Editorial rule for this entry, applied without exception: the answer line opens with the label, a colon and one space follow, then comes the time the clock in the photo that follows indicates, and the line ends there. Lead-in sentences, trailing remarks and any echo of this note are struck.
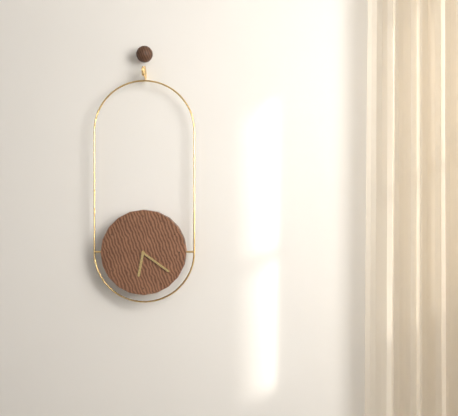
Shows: 6:21
